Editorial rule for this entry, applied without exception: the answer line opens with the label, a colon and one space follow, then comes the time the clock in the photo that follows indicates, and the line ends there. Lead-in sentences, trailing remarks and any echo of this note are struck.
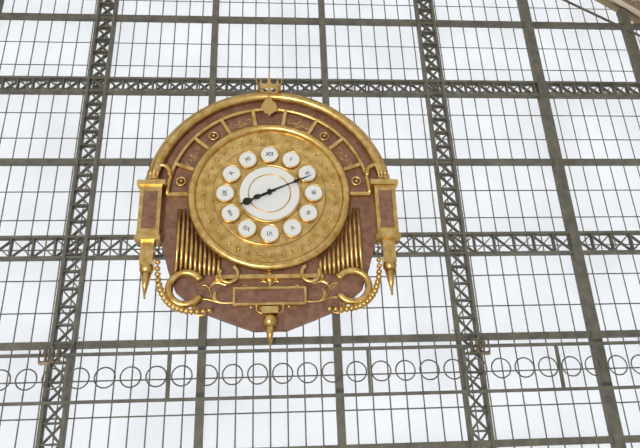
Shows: 8:11
